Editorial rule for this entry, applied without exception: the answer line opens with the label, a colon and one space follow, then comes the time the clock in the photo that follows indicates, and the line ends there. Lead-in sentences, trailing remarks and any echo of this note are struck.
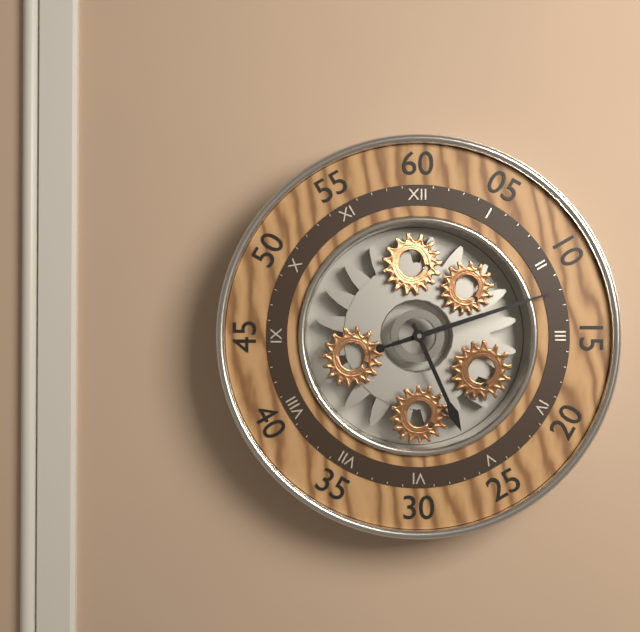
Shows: 5:12
